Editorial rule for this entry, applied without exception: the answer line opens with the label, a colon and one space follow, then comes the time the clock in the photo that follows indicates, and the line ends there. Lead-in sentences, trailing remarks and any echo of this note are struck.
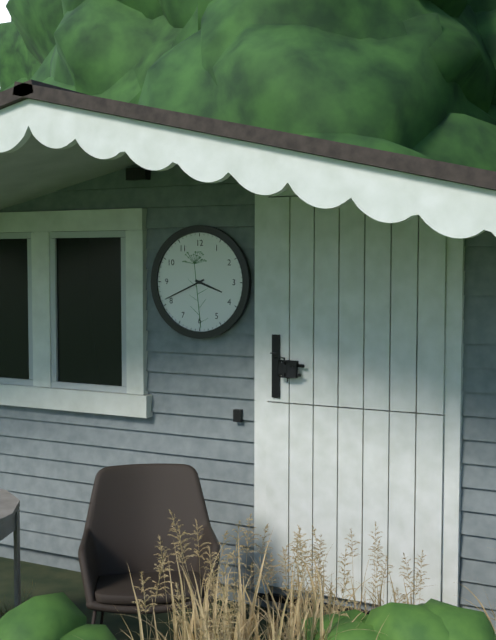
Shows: 3:41
